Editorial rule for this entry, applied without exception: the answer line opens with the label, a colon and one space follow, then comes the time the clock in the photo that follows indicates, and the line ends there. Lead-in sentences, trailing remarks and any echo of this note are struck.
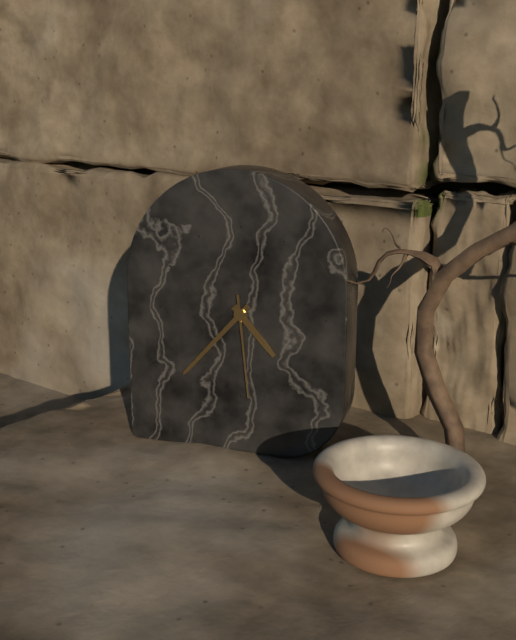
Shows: 4:37:29
